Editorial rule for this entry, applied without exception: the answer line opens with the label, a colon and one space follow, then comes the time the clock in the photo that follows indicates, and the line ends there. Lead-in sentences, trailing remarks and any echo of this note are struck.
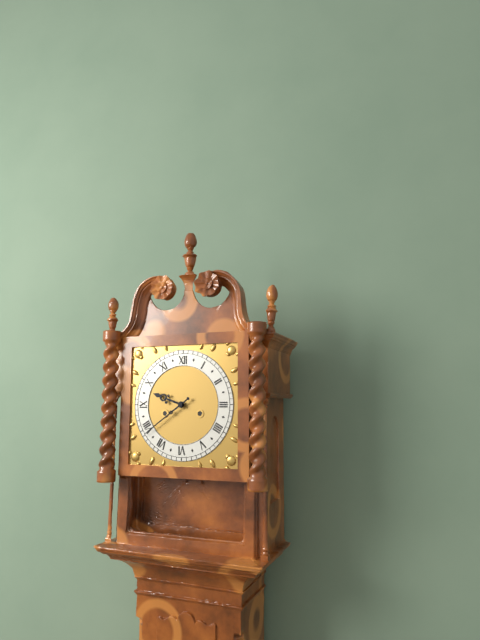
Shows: 9:39
